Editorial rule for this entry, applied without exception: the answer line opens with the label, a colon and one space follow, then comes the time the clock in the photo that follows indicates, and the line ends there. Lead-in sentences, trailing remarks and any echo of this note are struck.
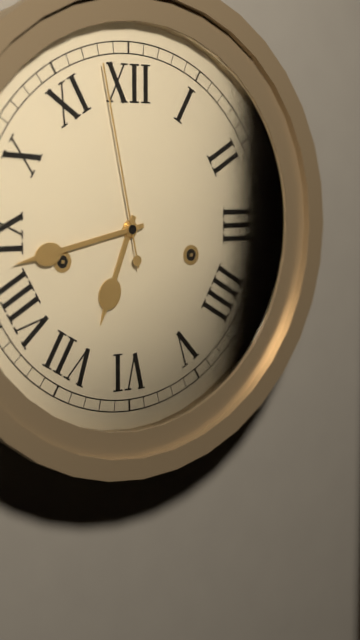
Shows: 6:43:58
